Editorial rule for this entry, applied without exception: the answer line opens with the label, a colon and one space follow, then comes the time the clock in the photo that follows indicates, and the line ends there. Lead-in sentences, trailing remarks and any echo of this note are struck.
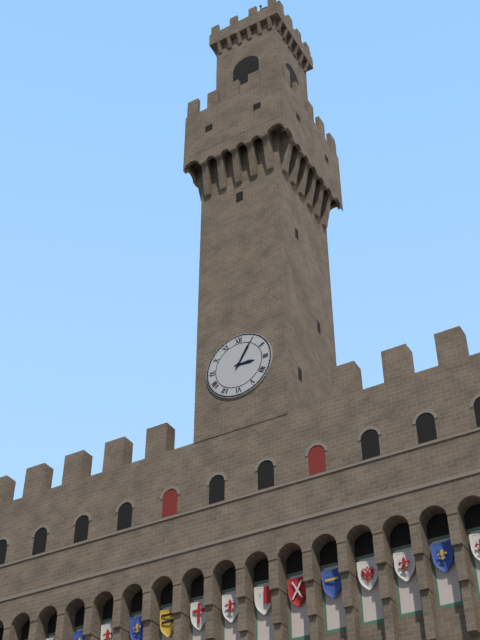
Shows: 3:05
